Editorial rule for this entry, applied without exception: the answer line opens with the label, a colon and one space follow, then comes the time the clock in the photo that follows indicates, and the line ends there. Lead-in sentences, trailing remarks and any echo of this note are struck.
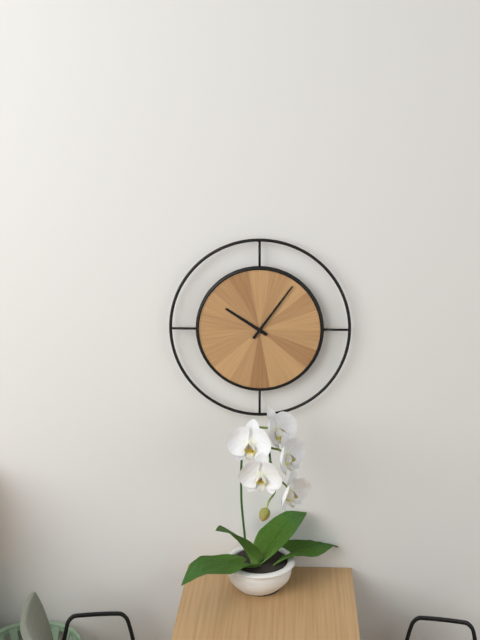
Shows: 10:06
